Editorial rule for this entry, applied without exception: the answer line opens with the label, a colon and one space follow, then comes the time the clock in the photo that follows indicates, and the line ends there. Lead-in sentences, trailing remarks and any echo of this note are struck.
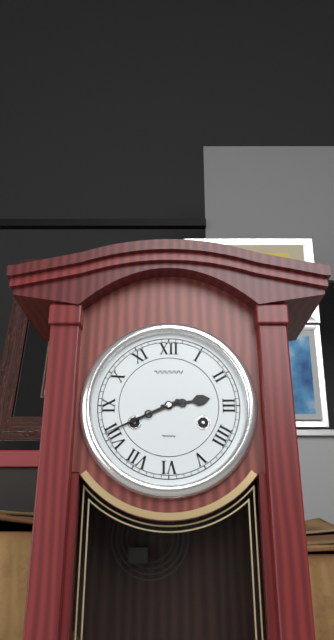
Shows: 2:41
